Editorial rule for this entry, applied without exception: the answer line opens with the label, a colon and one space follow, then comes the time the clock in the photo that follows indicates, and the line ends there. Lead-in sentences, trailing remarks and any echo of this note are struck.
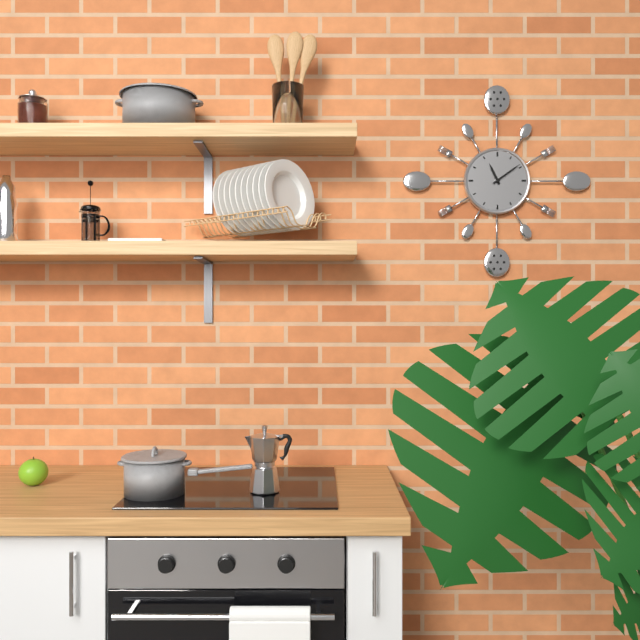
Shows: 11:09
